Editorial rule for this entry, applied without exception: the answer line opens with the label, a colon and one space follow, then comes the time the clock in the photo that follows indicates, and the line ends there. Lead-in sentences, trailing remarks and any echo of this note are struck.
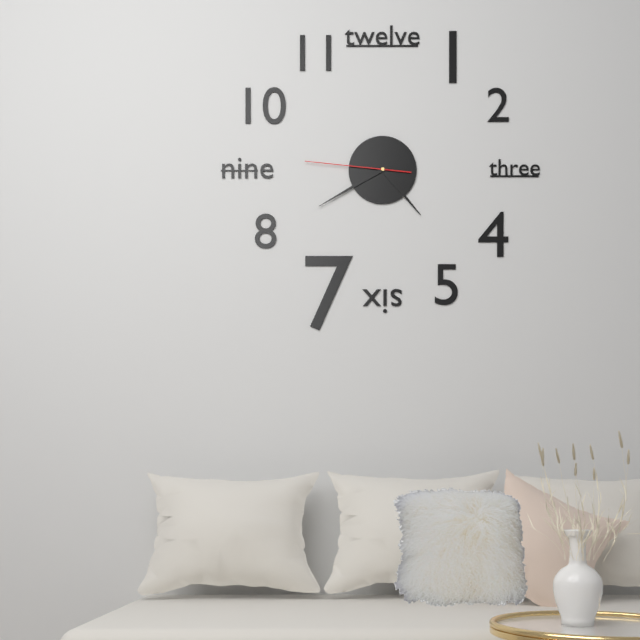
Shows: 4:40:46
